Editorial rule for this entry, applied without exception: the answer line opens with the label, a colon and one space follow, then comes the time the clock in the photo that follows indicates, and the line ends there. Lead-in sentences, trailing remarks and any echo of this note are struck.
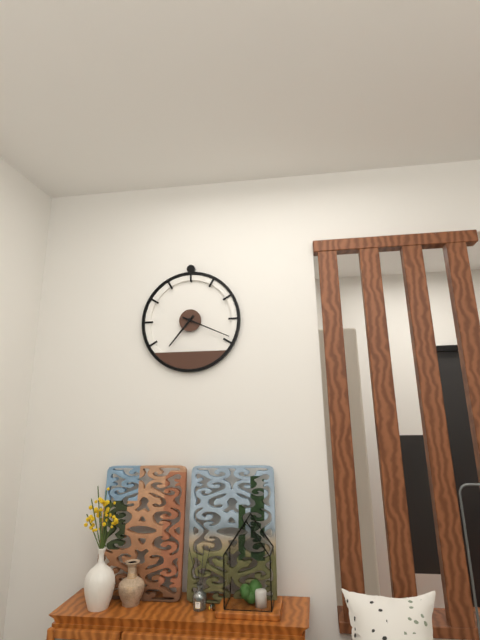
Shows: 7:19
